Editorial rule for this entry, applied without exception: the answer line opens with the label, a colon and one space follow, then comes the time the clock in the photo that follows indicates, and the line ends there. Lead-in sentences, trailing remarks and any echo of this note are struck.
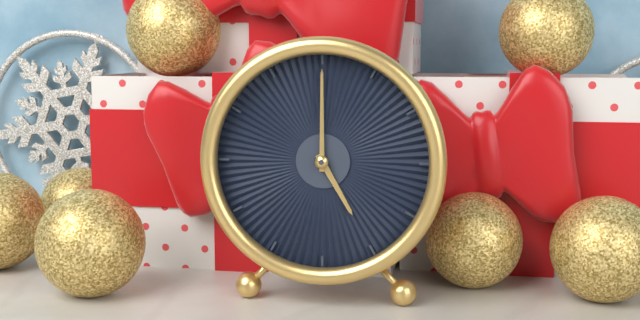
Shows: 5:00
